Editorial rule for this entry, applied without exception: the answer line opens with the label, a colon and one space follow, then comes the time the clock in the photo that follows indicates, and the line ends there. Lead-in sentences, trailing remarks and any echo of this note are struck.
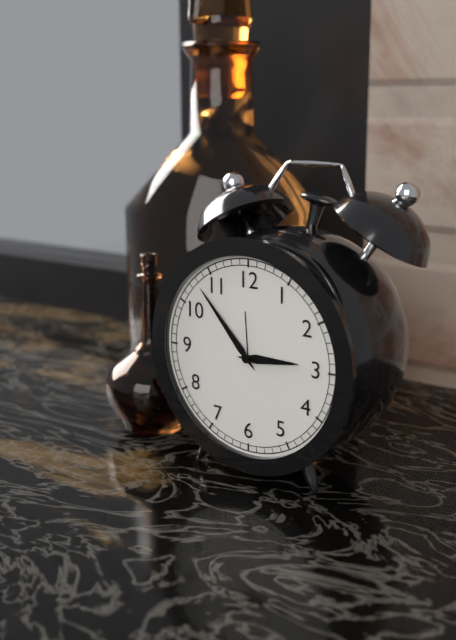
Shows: 2:53
